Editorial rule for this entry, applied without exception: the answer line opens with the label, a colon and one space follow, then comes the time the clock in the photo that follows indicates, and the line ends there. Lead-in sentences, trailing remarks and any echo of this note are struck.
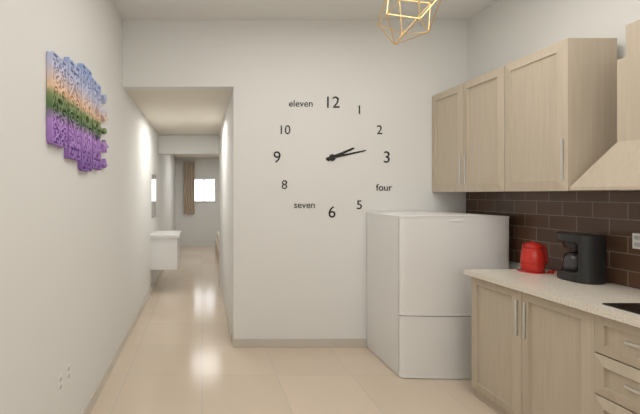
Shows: 2:13
